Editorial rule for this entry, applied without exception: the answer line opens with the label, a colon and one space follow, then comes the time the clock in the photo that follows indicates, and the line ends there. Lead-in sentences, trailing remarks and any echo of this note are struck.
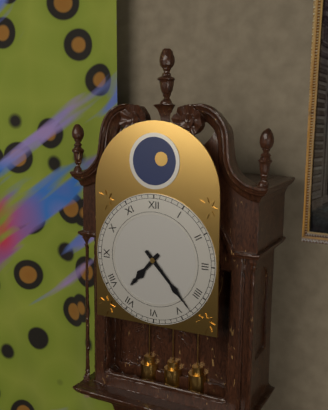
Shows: 7:23
